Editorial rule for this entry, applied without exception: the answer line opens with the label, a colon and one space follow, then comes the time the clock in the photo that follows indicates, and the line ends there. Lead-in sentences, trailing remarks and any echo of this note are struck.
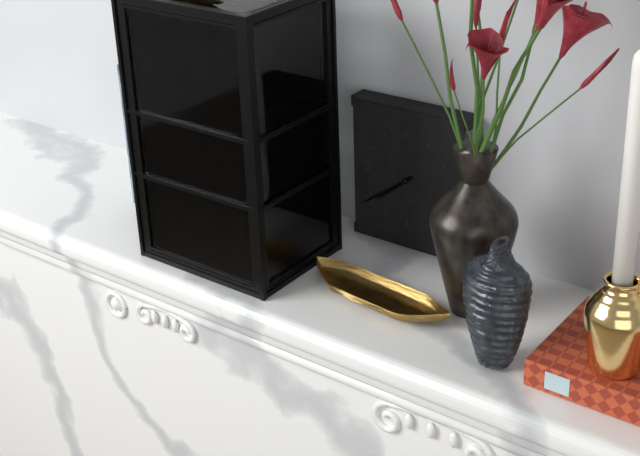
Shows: 7:39
